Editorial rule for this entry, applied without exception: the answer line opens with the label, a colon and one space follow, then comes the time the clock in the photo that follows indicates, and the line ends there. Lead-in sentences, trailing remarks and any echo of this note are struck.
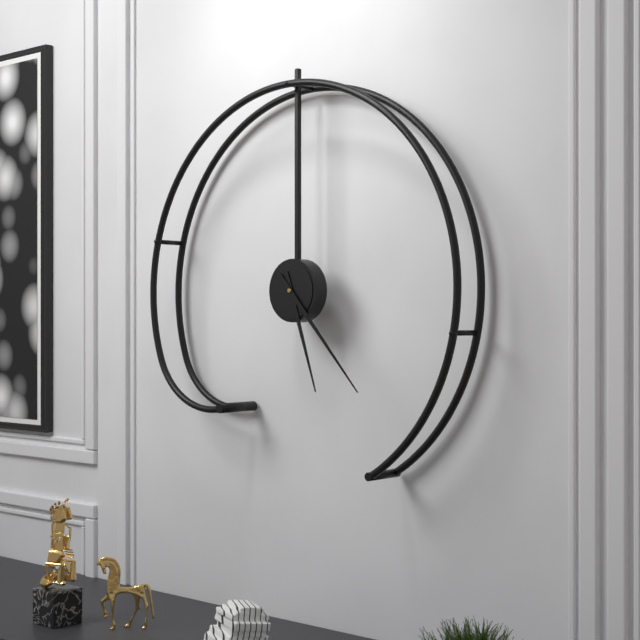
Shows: 5:23
